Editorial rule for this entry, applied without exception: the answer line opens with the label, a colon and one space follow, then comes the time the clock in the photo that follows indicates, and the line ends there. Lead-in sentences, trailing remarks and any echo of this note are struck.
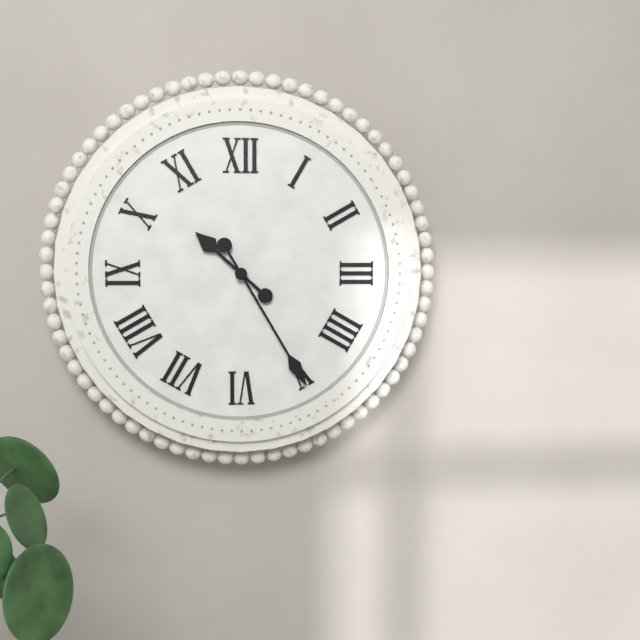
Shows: 10:25
